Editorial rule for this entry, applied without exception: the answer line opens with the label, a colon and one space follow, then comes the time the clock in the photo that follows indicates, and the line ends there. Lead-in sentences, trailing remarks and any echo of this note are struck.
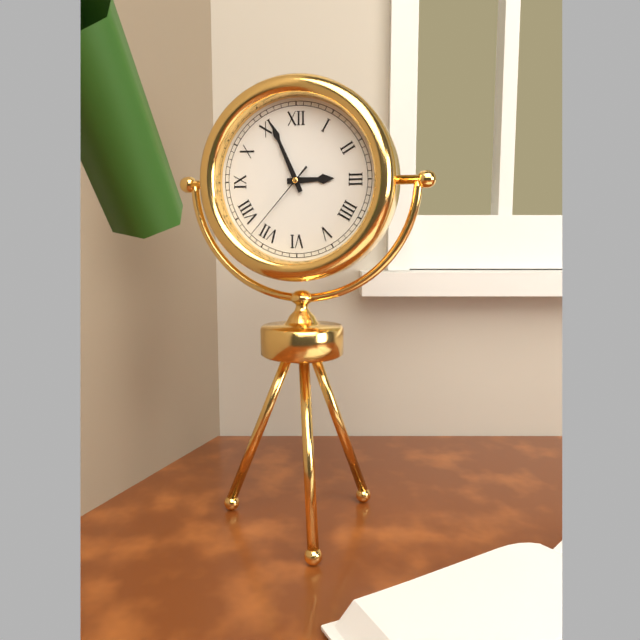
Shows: 2:56:37
